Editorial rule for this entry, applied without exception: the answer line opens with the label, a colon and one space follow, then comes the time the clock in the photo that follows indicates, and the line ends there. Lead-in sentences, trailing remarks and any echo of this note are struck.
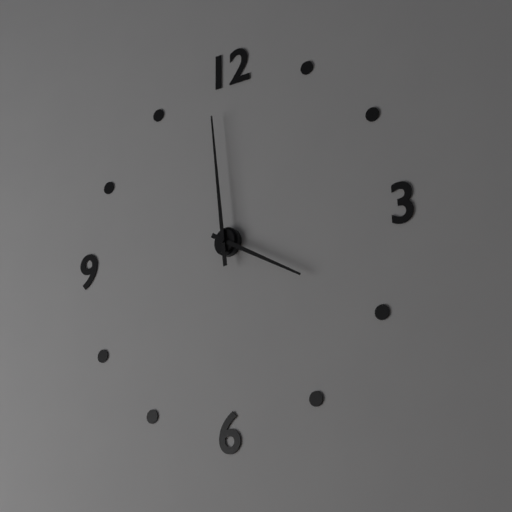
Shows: 3:59
